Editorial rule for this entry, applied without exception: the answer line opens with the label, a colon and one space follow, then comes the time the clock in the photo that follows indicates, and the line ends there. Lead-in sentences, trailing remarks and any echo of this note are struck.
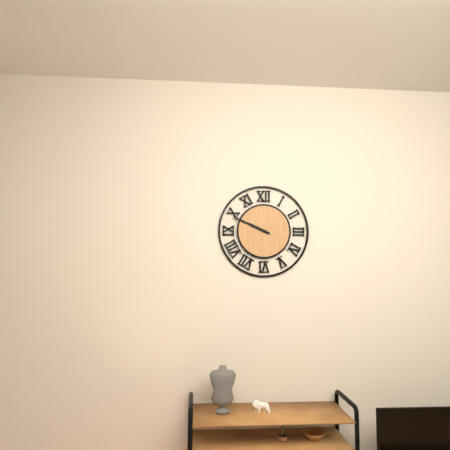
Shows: 9:49
